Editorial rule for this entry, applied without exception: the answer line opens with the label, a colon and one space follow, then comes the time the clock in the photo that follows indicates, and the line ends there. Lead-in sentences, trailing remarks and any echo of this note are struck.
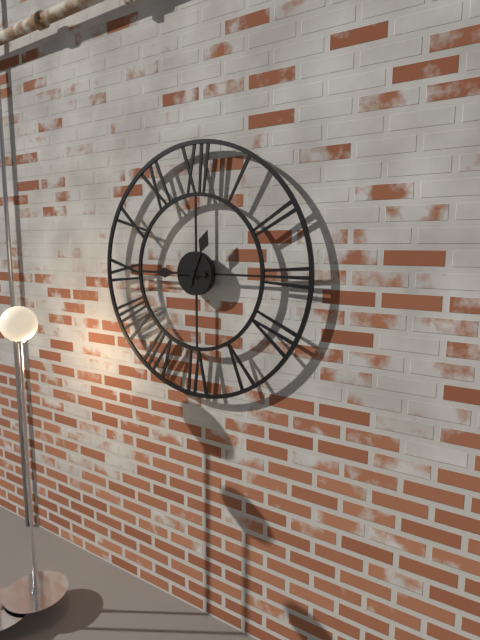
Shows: 12:45
